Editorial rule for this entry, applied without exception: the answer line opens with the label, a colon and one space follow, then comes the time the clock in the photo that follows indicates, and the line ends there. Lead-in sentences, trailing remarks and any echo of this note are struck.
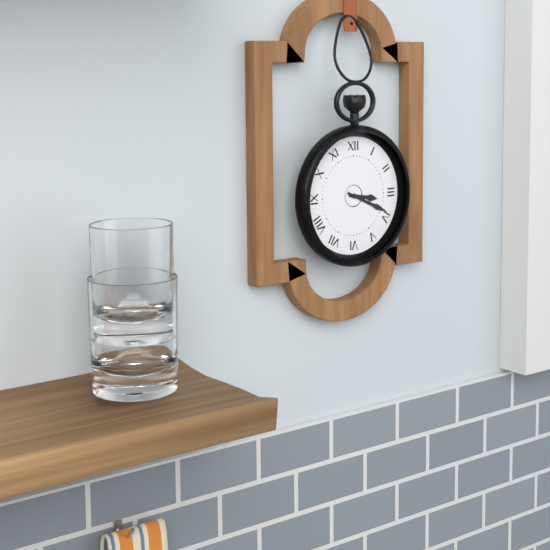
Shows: 3:19
